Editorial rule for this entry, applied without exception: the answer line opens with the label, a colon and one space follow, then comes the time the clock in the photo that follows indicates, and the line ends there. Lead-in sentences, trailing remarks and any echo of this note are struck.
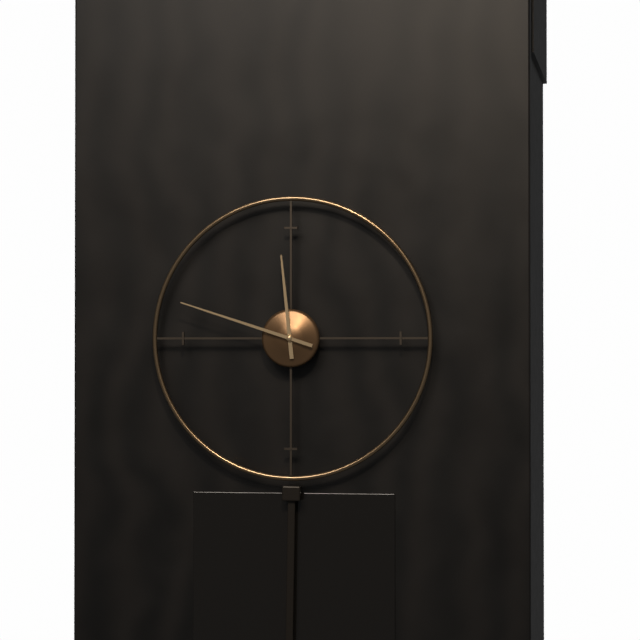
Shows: 11:48
